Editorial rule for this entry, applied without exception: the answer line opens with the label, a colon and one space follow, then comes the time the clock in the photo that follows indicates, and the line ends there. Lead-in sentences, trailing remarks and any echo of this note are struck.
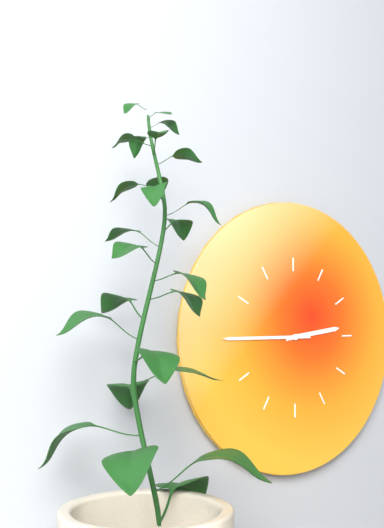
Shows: 2:45
